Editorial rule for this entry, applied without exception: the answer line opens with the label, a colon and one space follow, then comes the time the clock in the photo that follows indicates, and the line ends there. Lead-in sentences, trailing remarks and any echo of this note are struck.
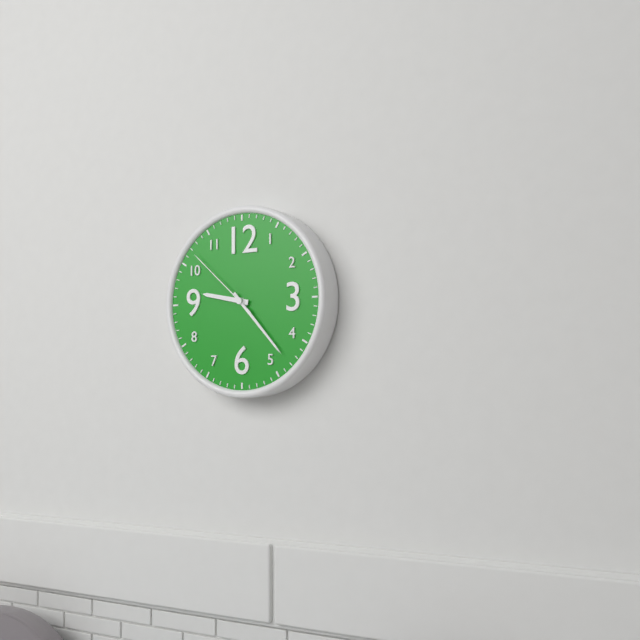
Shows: 9:23:52
